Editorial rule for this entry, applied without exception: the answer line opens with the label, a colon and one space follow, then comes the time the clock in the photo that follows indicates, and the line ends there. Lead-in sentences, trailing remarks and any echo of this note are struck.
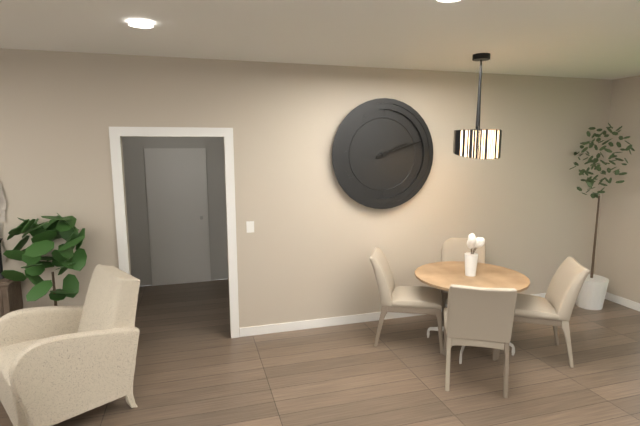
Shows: 2:12
